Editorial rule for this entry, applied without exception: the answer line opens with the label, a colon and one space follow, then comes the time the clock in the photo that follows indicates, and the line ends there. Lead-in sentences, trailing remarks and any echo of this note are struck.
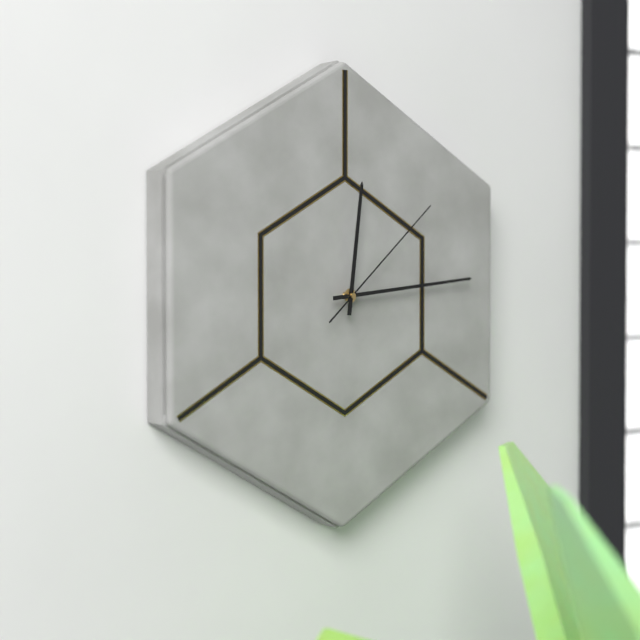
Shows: 12:14:08
